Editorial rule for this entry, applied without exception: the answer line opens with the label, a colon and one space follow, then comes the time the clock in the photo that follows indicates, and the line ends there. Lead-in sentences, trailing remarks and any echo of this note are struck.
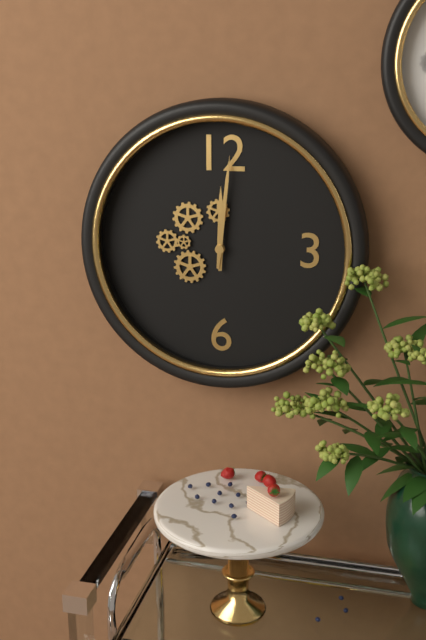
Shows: 12:01
